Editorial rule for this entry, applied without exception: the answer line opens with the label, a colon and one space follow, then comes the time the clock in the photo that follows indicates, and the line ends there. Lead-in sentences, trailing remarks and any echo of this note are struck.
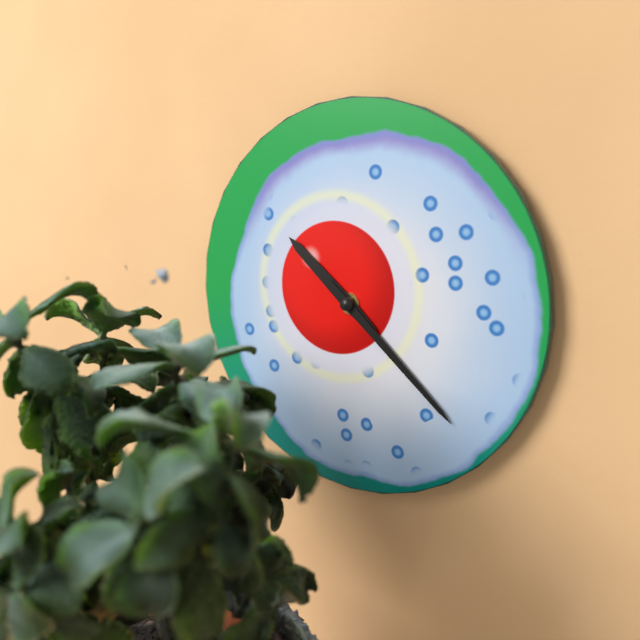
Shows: 10:22
